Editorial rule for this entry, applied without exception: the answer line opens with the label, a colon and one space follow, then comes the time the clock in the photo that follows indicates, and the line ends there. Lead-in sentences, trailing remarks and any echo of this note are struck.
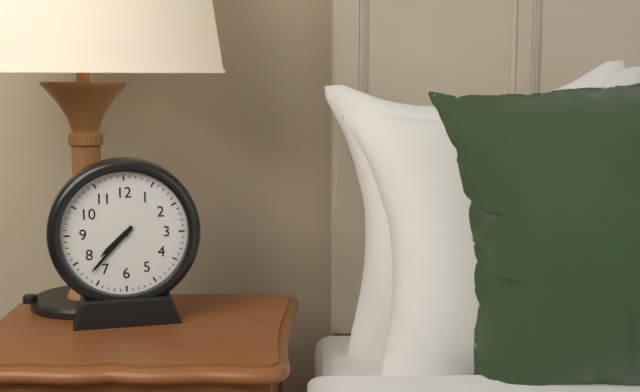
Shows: 7:37
